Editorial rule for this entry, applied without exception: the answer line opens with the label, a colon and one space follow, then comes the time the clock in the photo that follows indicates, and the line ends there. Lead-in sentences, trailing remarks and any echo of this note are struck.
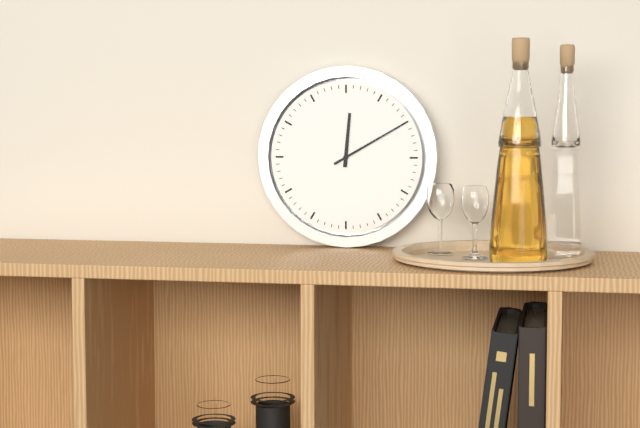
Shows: 12:10
